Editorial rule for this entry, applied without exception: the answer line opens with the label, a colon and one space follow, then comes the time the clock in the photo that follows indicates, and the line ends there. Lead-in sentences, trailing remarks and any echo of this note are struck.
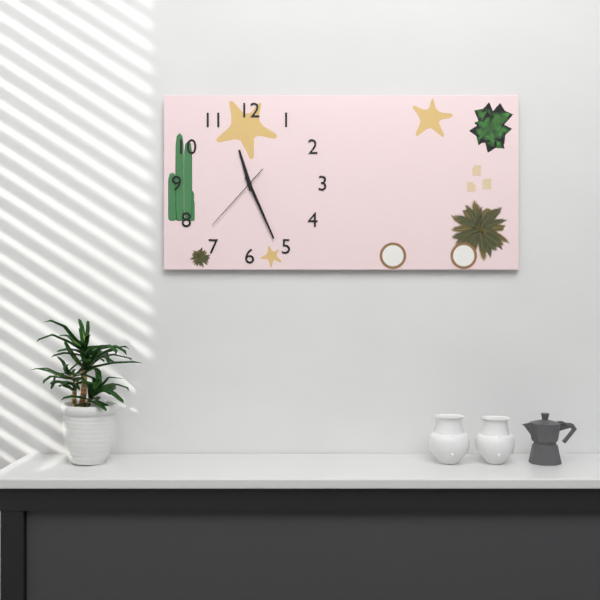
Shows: 11:26:37
